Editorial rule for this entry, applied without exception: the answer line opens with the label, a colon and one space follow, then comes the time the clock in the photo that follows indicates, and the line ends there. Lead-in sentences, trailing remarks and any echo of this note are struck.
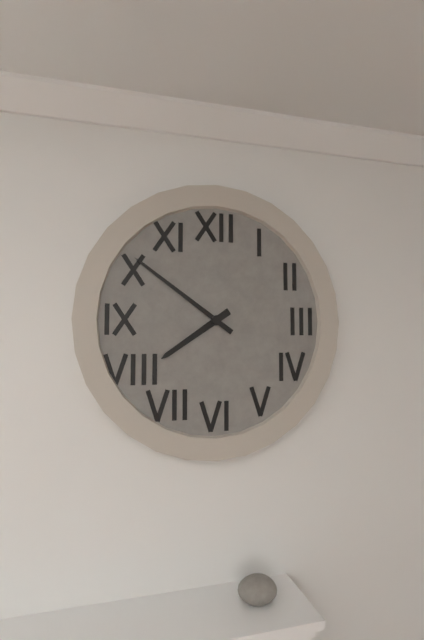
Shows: 7:51
